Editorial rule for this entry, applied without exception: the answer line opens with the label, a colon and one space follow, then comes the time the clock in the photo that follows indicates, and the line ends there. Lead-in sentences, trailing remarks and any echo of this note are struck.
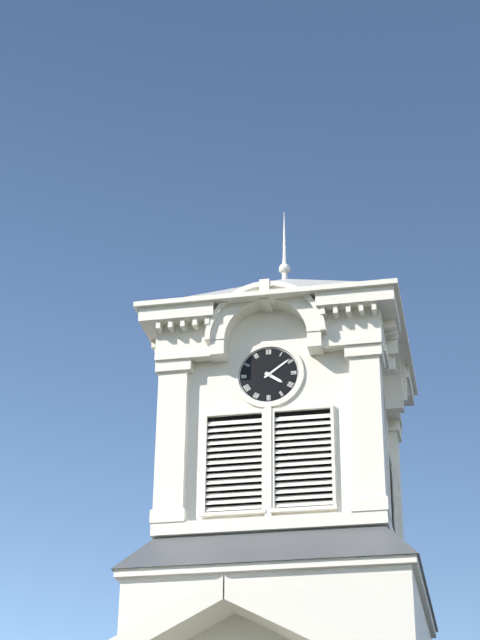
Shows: 4:09
